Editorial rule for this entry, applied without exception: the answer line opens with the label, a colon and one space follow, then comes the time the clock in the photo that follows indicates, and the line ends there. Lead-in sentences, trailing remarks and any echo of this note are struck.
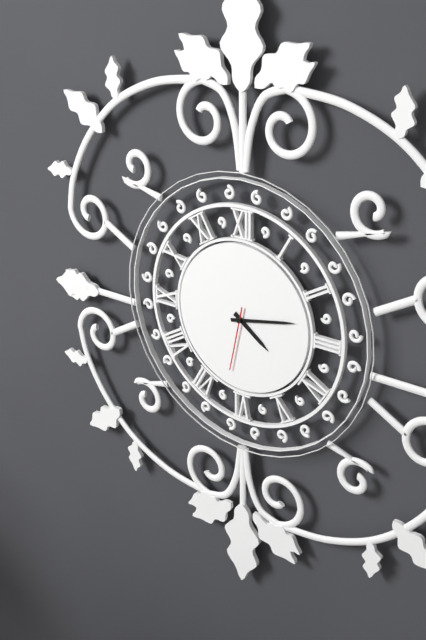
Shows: 4:13:32
